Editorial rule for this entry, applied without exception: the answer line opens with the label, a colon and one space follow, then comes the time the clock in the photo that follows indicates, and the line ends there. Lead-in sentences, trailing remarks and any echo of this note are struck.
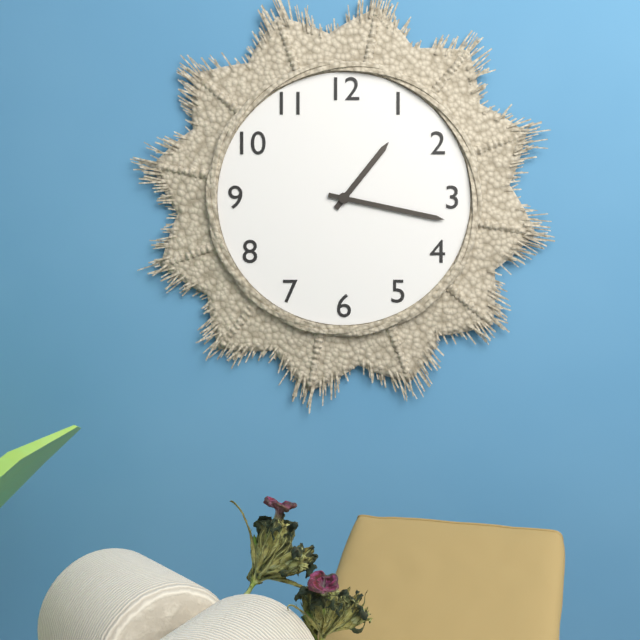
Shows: 1:17
